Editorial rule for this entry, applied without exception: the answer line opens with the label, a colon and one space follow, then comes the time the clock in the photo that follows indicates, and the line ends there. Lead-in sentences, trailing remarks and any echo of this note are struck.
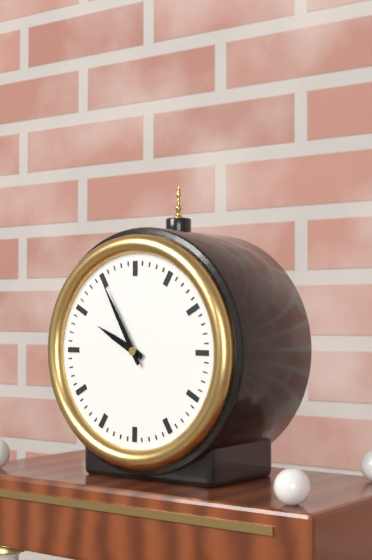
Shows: 9:55
